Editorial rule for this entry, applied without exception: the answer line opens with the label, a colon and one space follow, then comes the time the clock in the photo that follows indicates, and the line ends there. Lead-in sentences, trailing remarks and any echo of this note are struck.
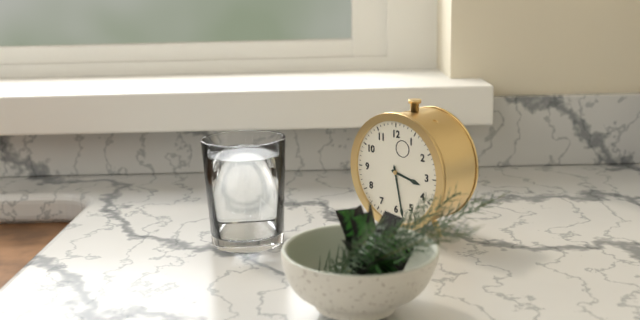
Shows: 3:28
